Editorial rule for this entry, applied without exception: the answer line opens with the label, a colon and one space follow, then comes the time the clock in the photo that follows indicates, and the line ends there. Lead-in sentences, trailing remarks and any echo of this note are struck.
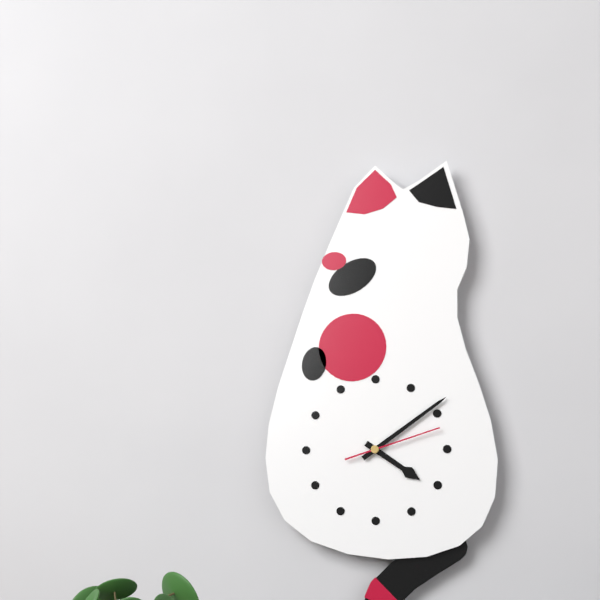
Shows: 4:09:12
